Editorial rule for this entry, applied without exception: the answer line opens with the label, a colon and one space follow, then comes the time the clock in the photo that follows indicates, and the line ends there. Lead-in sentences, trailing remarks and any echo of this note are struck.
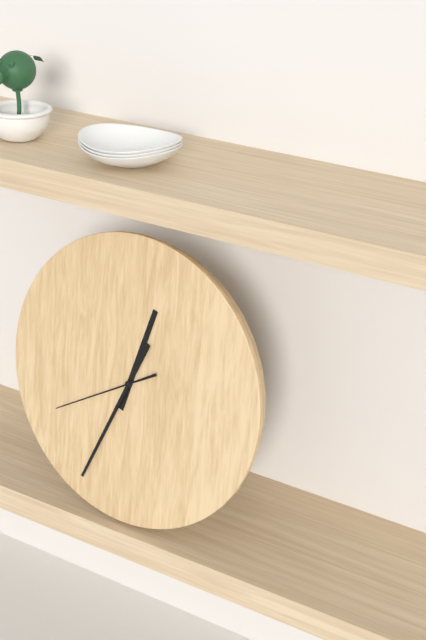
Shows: 12:34:40
